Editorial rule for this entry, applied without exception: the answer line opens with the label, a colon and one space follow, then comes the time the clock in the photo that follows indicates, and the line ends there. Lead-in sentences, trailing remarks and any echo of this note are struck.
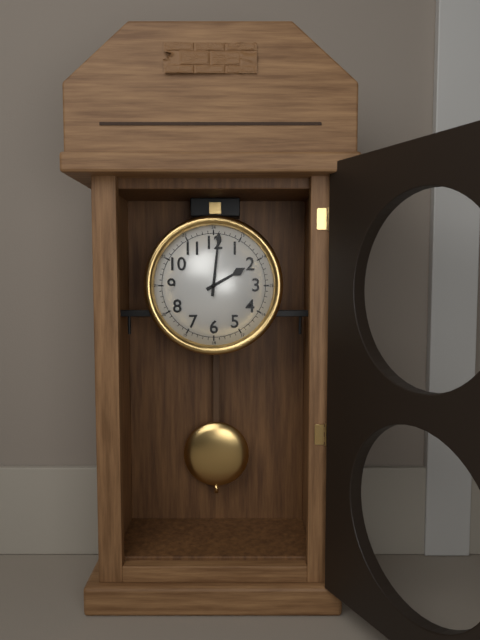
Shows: 2:01
